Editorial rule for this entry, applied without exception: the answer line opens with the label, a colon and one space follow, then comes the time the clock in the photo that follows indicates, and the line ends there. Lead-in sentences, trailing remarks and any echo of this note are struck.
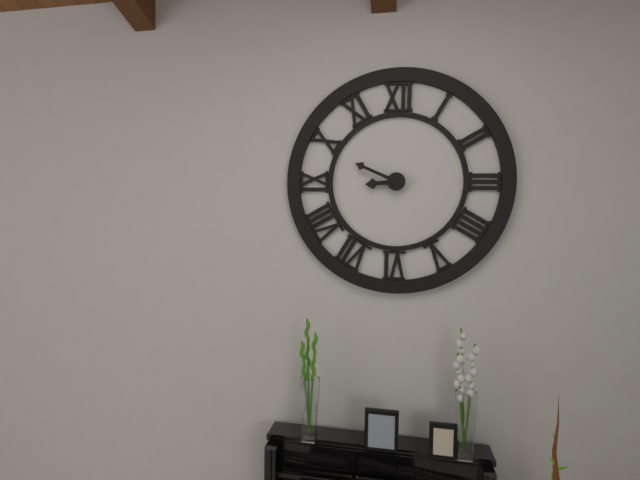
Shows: 8:49
